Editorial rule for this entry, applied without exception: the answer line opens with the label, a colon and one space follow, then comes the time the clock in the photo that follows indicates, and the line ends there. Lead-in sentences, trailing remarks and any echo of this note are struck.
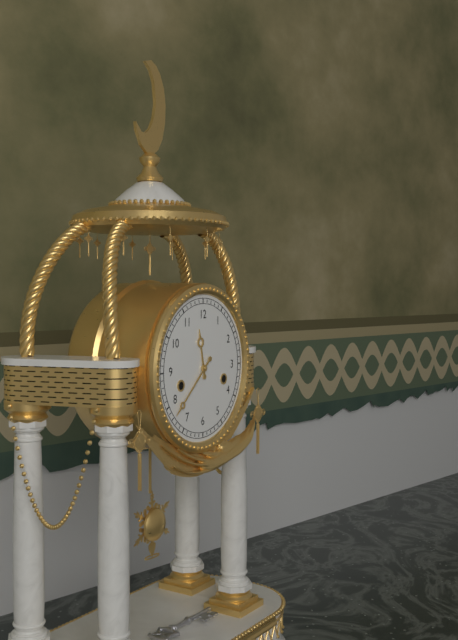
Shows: 11:38
